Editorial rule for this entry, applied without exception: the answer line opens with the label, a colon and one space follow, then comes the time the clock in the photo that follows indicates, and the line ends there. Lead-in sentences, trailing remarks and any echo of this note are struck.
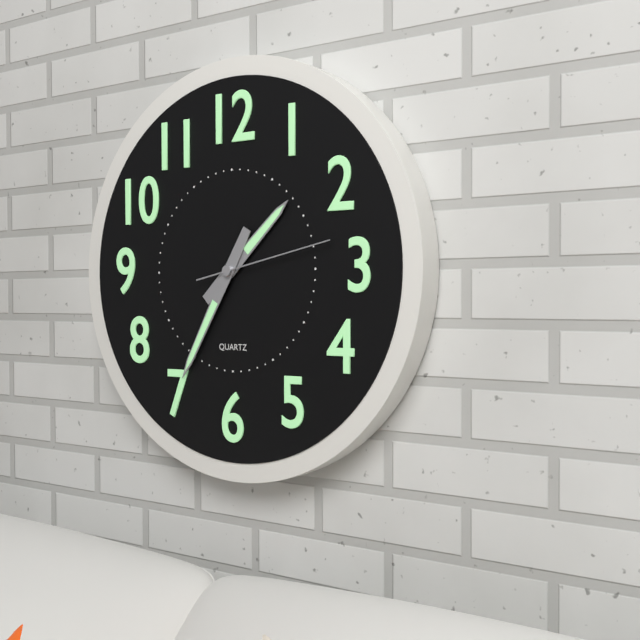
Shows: 1:35:13
